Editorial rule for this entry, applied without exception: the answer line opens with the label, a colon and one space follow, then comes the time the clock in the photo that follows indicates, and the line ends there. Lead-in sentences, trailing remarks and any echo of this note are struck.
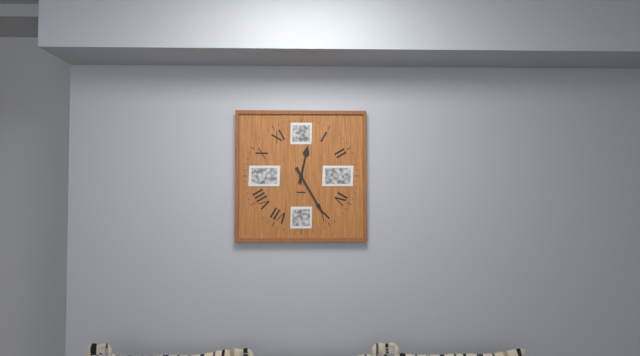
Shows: 12:25
